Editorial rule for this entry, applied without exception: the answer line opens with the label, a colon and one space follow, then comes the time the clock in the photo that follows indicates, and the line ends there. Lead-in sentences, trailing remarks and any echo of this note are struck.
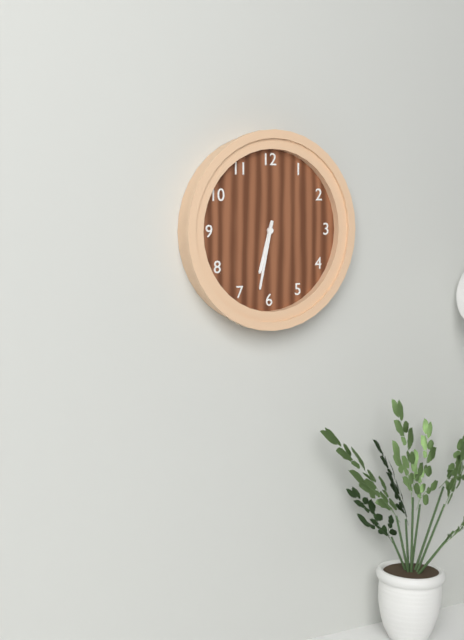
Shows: 6:32
